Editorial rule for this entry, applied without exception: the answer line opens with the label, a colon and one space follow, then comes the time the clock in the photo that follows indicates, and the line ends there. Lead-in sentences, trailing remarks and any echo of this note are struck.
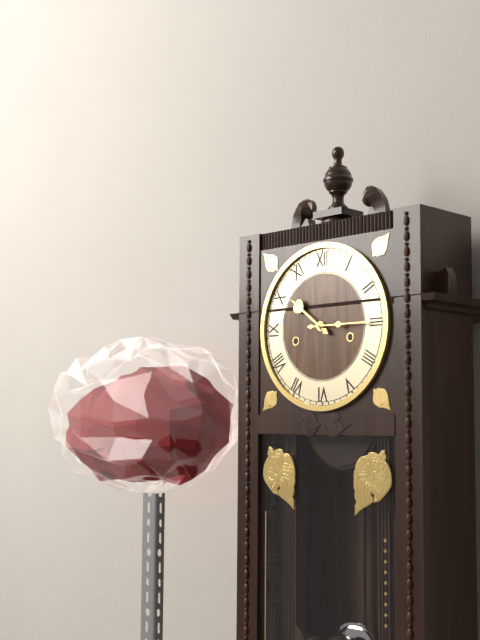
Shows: 10:15
